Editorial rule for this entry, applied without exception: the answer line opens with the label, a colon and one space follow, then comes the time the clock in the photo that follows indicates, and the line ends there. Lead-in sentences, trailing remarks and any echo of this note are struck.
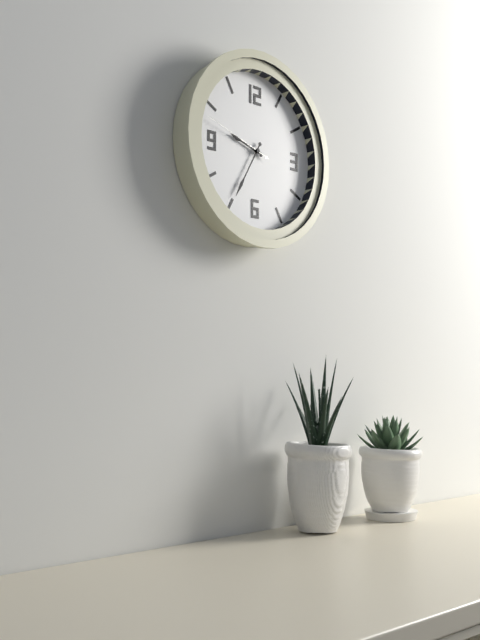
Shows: 9:35:48
